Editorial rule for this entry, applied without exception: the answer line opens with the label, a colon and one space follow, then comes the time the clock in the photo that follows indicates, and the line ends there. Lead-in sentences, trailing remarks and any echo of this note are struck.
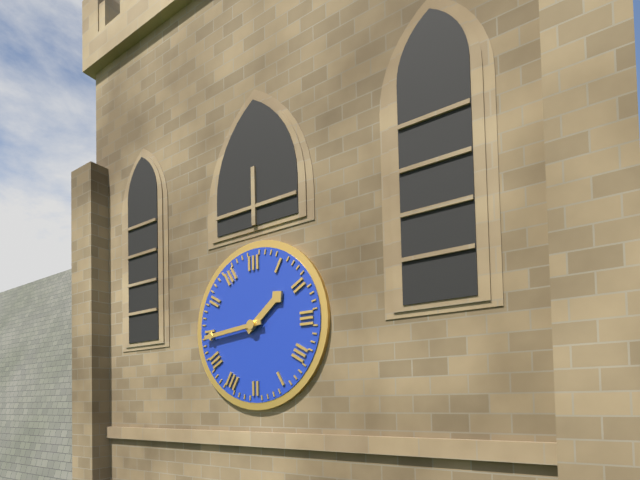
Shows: 1:44
